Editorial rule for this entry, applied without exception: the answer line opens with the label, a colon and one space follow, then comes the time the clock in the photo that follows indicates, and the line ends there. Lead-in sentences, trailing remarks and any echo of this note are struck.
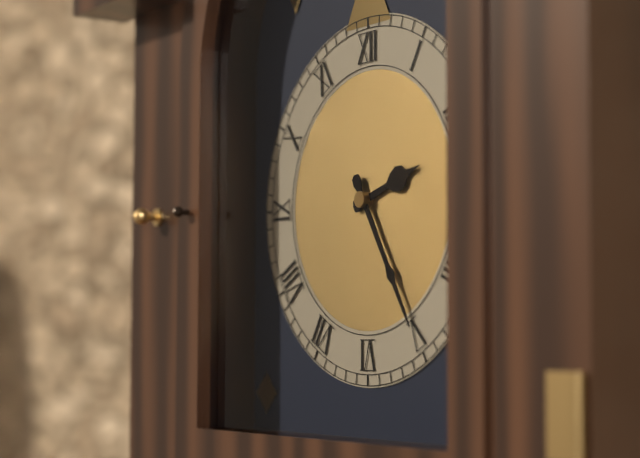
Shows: 2:25
